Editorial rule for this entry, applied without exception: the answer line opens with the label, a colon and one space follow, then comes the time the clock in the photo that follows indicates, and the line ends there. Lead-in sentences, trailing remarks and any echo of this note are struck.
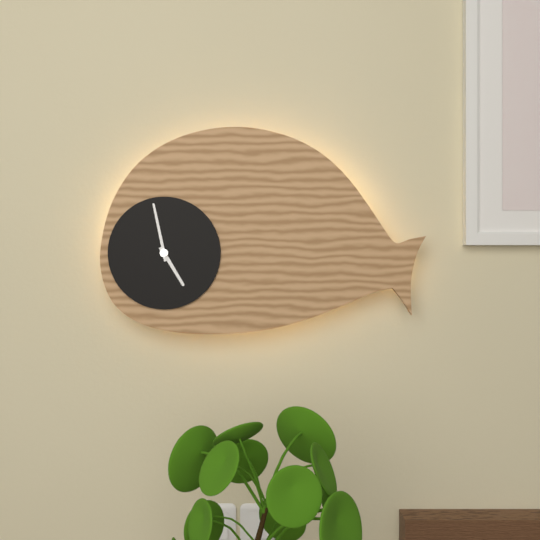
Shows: 4:58
